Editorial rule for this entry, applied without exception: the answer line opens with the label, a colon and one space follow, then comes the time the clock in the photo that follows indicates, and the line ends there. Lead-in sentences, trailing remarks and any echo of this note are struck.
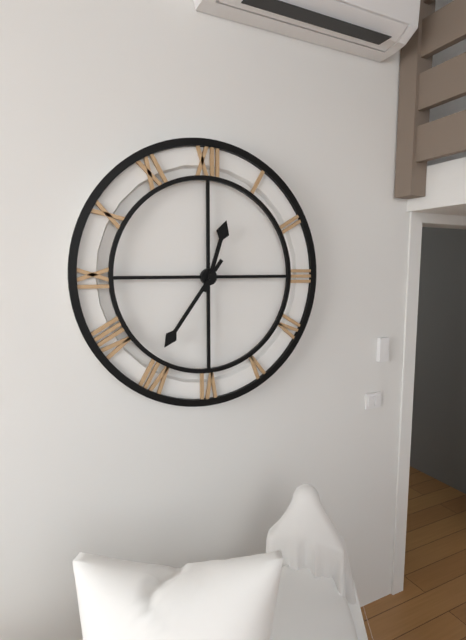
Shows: 12:36
